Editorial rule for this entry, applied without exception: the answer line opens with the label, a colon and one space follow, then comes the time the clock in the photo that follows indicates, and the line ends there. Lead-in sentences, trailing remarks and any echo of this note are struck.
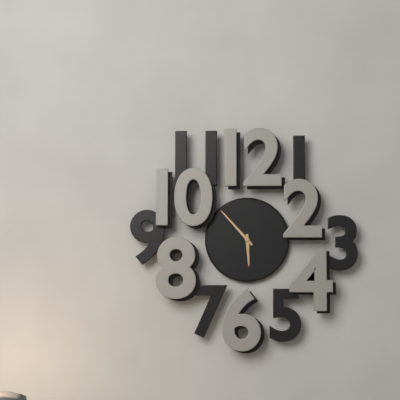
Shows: 5:53
